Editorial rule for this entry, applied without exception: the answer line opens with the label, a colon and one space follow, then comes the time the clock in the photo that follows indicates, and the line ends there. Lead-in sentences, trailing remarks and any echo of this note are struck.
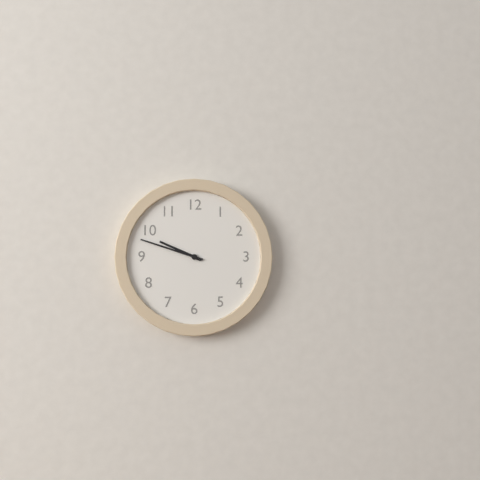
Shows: 9:48
